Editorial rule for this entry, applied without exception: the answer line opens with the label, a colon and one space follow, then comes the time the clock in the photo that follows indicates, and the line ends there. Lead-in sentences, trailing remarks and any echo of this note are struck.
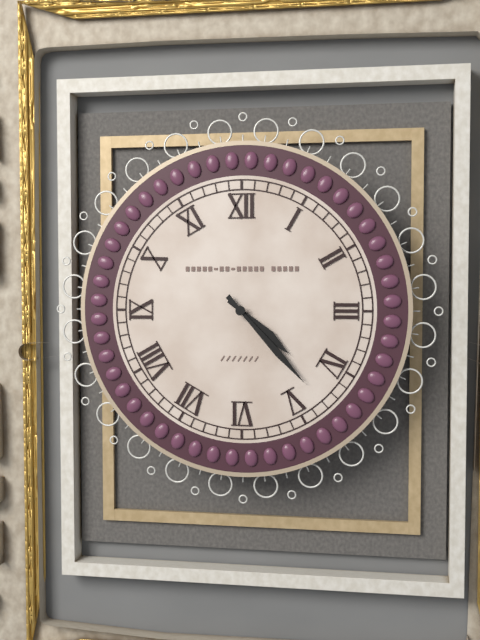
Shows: 4:23
